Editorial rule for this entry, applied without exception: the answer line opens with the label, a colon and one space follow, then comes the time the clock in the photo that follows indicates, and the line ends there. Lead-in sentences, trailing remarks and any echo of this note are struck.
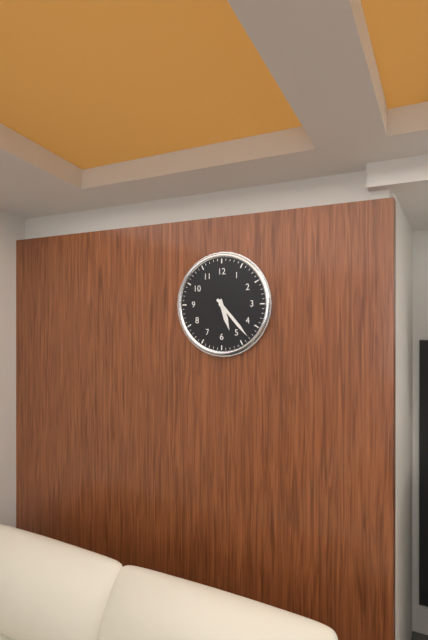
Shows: 5:23
